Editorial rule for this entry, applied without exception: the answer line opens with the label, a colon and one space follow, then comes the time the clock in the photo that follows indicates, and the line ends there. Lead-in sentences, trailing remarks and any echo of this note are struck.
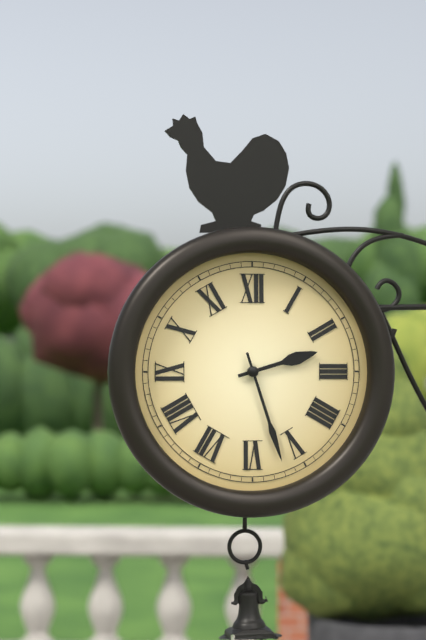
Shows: 2:27
